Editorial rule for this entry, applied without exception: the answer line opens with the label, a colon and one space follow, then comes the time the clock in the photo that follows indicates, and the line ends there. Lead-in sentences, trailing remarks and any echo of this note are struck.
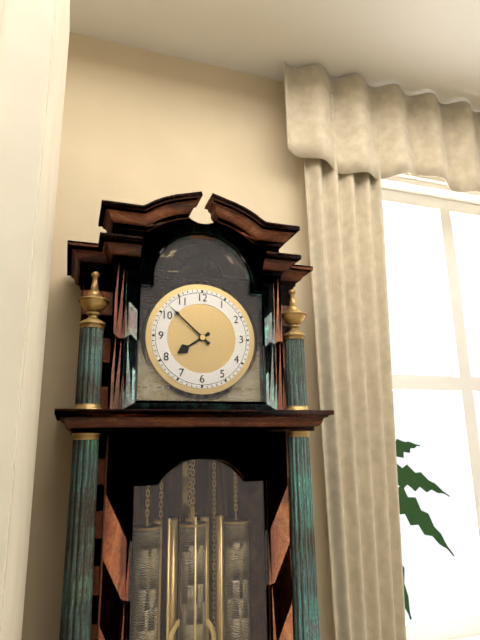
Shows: 7:52
